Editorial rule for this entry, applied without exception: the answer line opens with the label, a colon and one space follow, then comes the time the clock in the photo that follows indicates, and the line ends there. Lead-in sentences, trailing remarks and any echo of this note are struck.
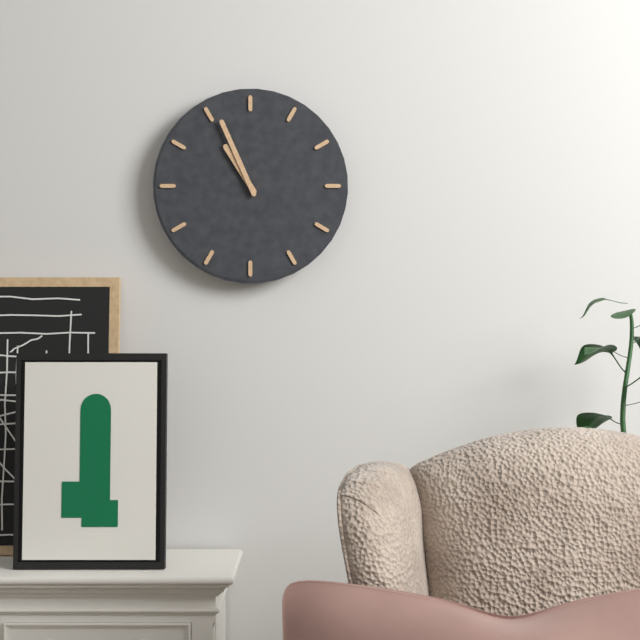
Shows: 10:56
